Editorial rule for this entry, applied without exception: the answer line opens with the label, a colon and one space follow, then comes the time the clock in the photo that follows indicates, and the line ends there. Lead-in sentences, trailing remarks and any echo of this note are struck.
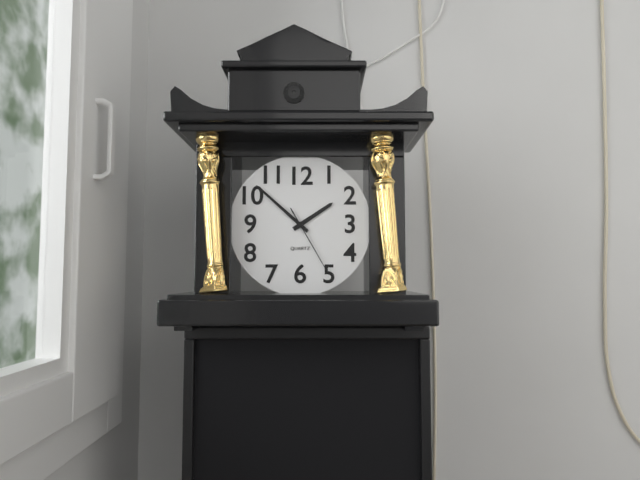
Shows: 1:52:25
